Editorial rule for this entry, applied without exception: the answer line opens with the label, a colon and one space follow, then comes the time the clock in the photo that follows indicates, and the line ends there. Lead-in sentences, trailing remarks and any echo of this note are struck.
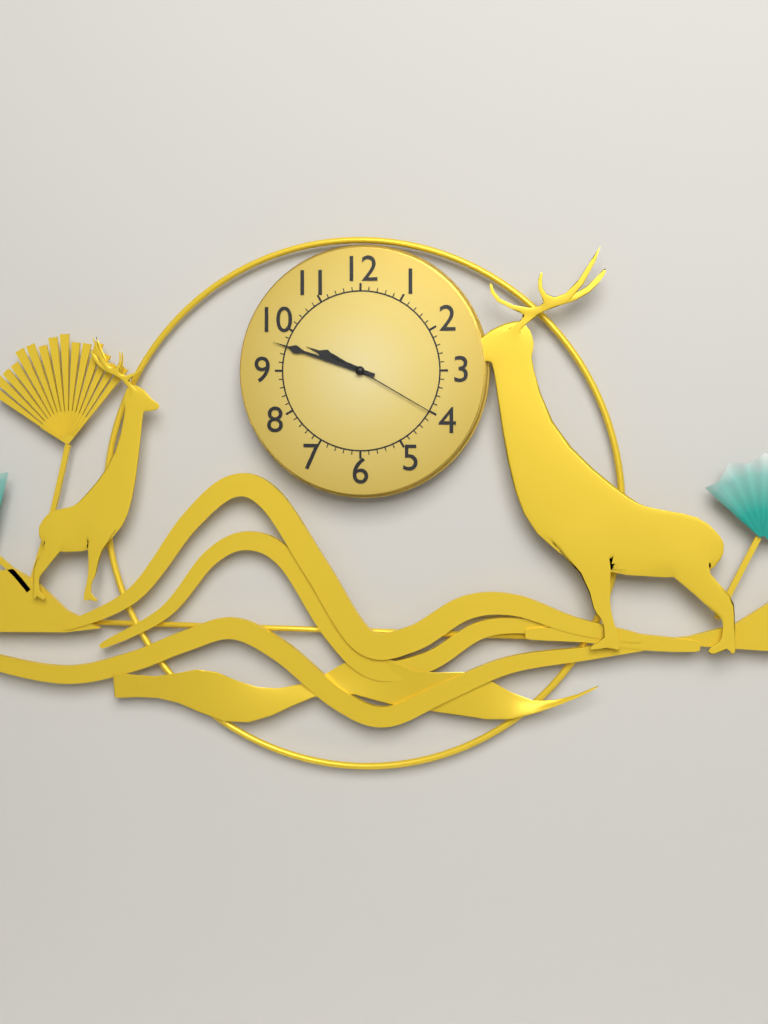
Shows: 9:48:20
